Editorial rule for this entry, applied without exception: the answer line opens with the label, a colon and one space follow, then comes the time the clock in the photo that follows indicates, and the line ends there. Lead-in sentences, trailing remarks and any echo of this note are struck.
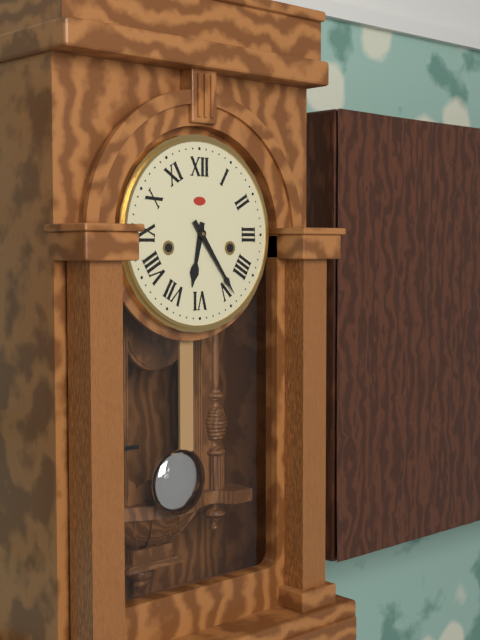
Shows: 6:24
